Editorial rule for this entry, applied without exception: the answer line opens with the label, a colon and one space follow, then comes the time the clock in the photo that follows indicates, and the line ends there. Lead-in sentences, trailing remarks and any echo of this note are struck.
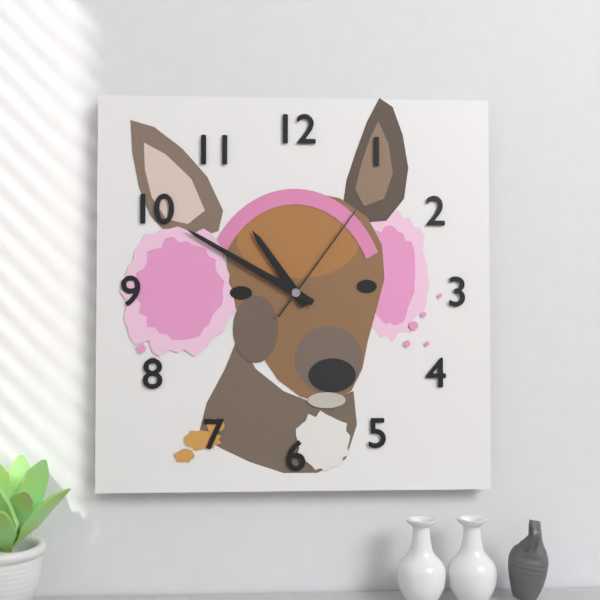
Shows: 10:50:06
